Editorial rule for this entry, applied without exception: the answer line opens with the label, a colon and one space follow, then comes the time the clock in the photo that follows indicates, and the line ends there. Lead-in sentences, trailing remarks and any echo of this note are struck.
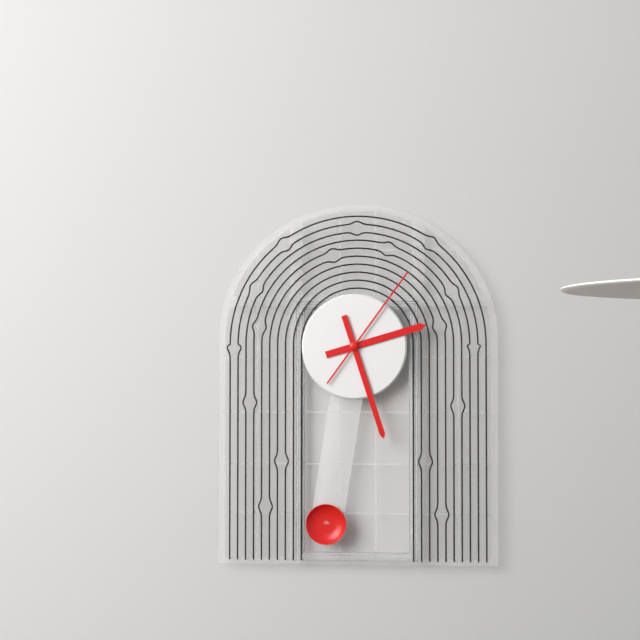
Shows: 2:27:06
